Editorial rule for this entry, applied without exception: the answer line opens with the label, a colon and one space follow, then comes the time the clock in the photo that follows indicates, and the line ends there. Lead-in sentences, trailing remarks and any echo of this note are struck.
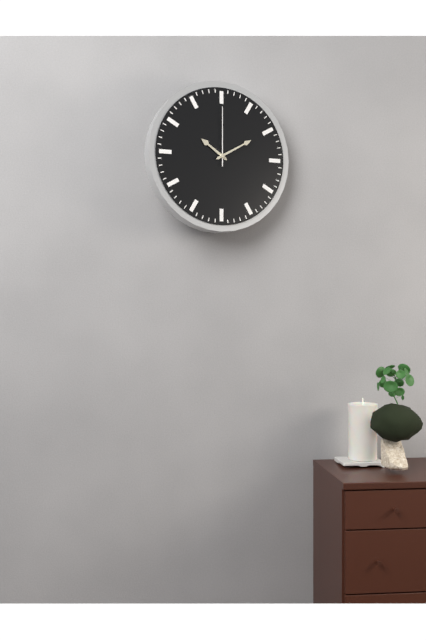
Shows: 10:10:00
